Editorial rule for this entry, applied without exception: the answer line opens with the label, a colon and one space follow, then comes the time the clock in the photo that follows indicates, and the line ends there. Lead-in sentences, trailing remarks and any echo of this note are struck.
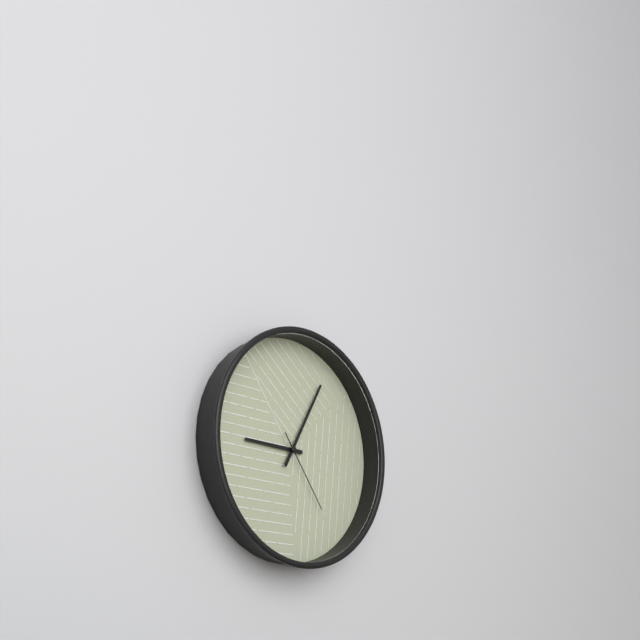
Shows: 9:05:24
